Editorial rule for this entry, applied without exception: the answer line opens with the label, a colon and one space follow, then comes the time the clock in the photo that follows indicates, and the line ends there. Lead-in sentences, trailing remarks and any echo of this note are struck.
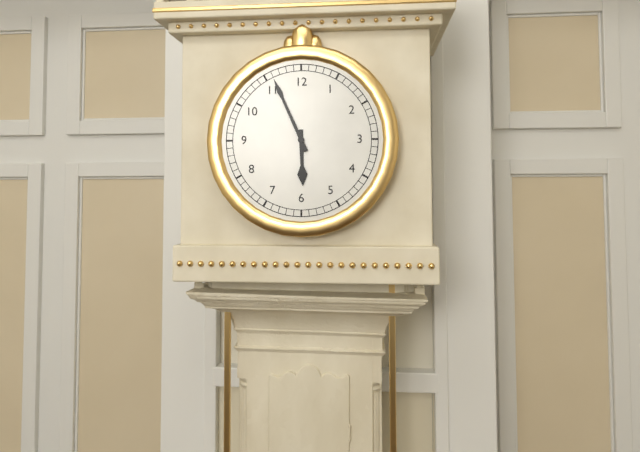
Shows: 5:56
